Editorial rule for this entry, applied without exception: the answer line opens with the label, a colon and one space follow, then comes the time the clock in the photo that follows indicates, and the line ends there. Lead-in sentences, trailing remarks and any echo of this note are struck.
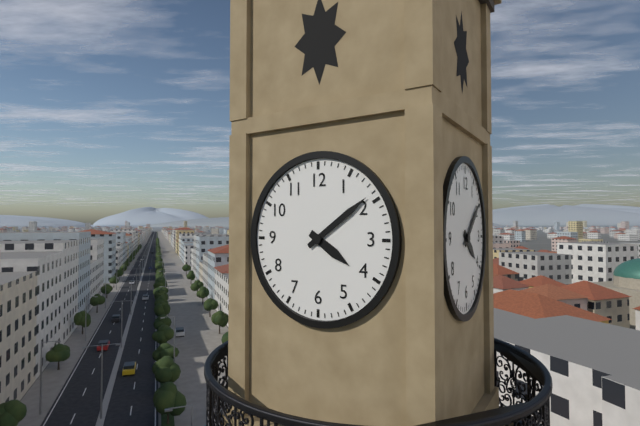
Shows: 4:09
